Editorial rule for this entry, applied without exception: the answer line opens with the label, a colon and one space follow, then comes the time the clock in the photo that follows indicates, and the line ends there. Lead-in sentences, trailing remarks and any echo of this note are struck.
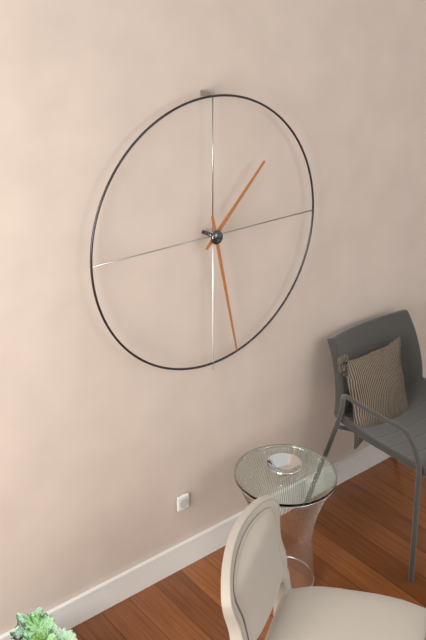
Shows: 1:28
